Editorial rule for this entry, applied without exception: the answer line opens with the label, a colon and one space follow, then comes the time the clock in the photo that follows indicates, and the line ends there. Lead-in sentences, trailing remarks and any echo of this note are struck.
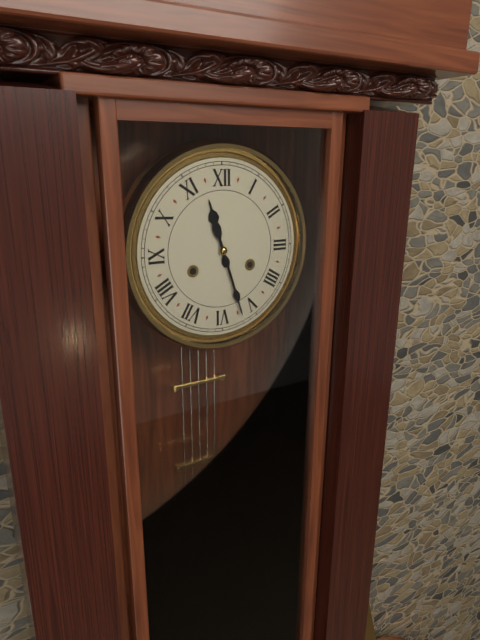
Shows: 11:27
